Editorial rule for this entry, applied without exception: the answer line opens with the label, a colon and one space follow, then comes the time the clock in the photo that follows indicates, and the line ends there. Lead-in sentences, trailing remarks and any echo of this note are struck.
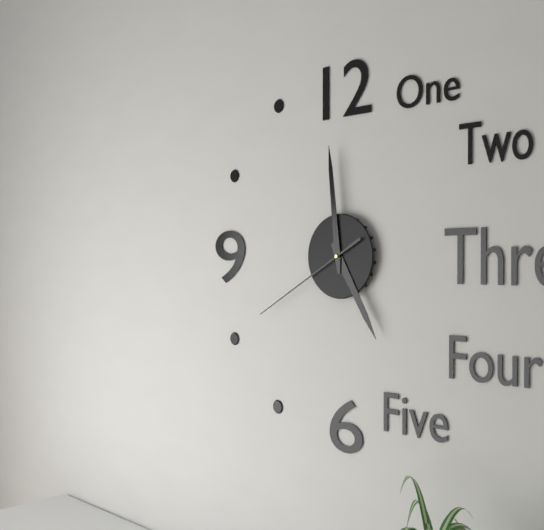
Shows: 4:59:40
